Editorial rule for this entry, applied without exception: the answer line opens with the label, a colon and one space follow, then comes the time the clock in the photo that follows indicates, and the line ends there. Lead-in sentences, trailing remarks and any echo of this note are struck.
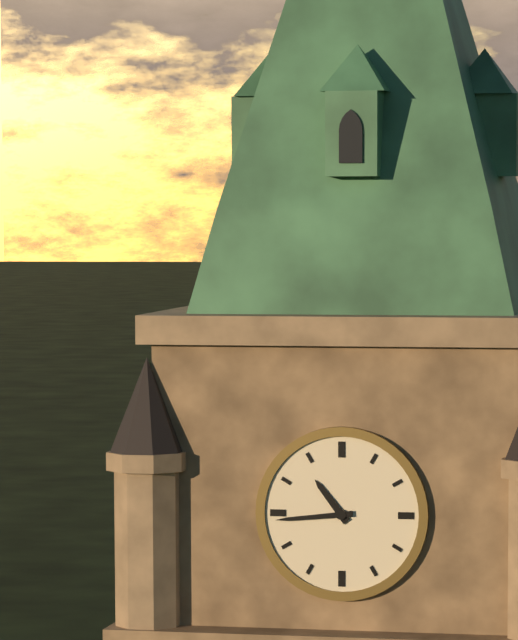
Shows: 10:44
